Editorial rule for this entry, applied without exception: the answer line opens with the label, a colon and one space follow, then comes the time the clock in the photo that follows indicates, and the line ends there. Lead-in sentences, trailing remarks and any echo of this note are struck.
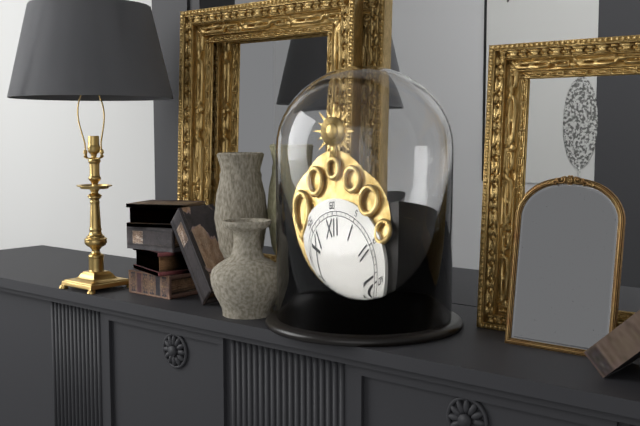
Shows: 3:32
